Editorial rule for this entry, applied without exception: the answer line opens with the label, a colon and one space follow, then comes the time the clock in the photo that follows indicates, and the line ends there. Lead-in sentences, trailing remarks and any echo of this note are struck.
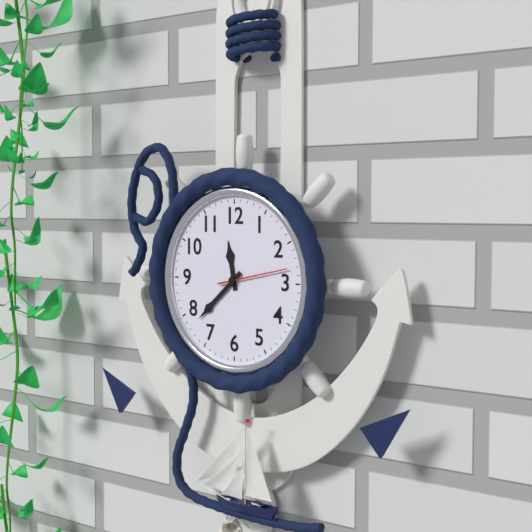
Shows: 11:38:13
